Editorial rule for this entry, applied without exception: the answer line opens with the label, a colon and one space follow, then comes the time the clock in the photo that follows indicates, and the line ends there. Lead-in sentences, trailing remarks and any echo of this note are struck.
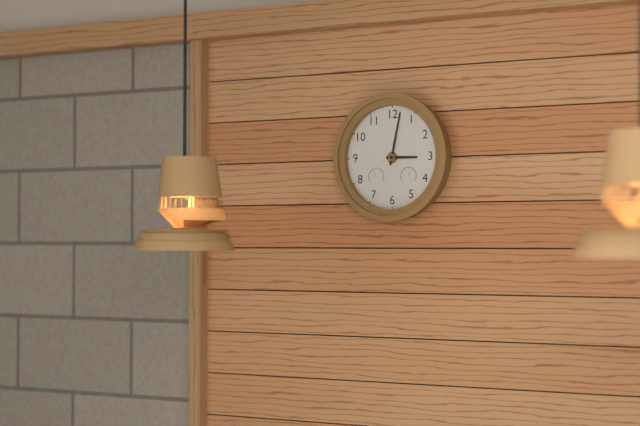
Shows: 3:02
